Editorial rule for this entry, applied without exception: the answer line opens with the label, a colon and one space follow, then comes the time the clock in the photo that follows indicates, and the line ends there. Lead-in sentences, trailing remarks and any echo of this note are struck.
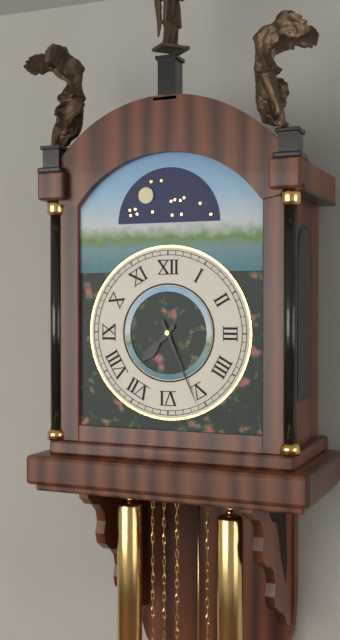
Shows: 7:26
